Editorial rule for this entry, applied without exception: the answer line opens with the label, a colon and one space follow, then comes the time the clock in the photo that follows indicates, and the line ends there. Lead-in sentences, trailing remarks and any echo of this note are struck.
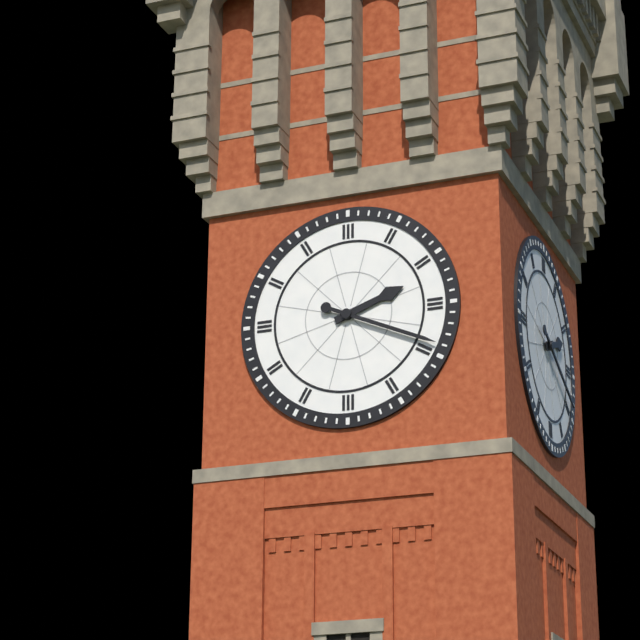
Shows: 2:19
